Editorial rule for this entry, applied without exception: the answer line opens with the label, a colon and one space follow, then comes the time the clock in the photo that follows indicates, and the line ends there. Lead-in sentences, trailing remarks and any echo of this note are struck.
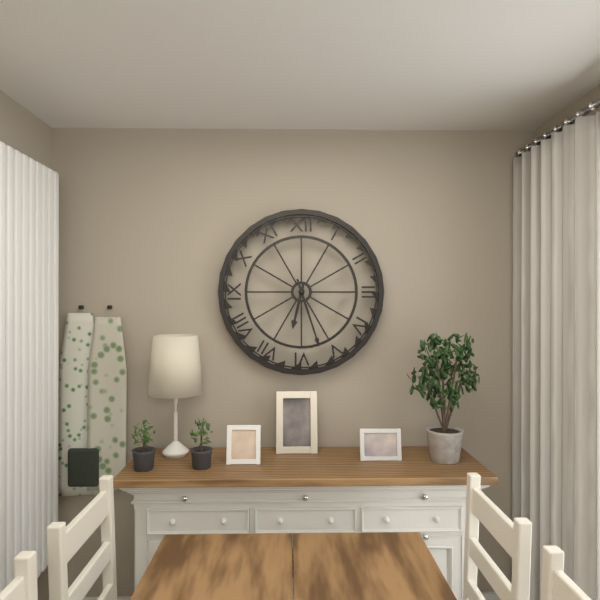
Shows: 6:27
